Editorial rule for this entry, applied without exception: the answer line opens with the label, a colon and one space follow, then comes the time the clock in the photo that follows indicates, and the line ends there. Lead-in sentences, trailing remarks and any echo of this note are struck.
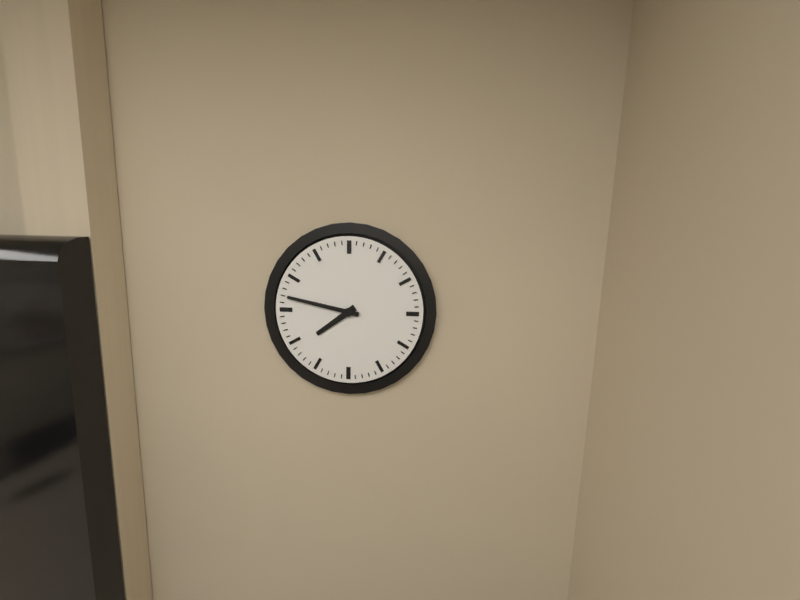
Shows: 7:47
